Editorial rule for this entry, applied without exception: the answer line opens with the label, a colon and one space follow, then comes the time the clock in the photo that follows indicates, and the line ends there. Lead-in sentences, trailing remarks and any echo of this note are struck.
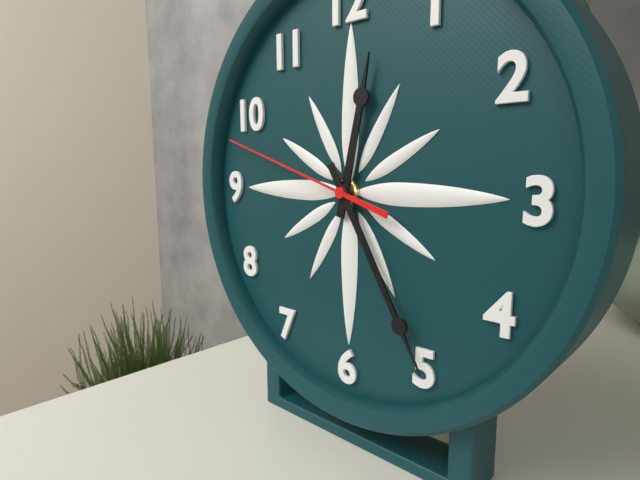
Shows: 12:25:48
